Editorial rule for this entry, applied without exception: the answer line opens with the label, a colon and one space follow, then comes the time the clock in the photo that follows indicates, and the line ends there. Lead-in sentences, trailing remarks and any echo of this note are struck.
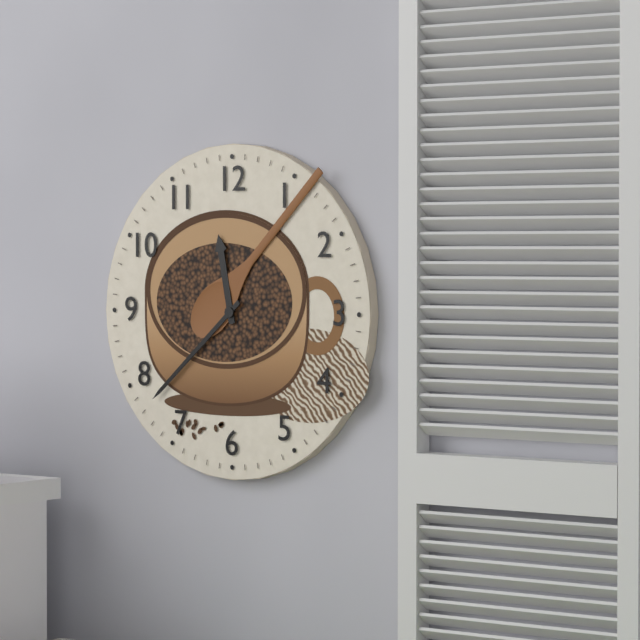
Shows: 11:38
